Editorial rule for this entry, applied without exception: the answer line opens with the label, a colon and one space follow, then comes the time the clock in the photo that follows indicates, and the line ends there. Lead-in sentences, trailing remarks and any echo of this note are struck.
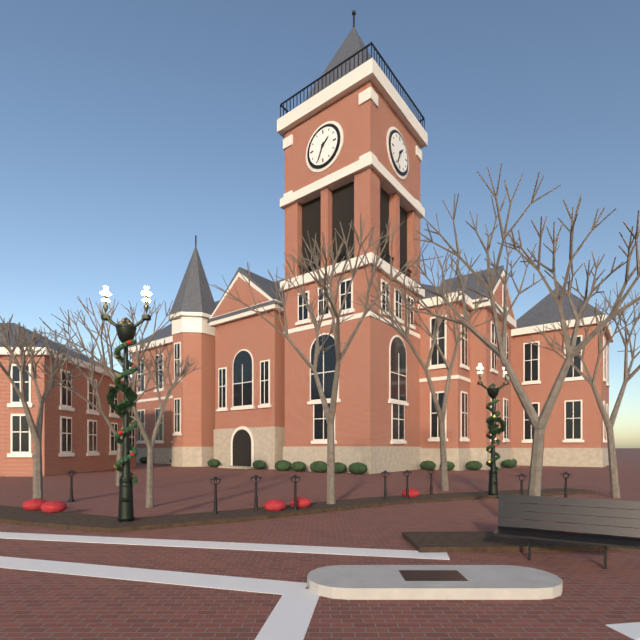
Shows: 1:34
